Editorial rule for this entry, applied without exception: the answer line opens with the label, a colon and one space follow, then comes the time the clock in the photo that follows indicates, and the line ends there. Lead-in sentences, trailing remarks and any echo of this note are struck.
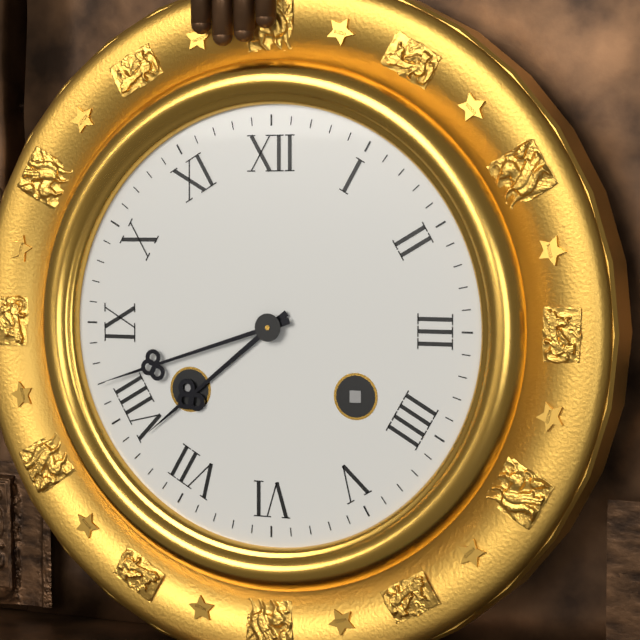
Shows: 7:42
